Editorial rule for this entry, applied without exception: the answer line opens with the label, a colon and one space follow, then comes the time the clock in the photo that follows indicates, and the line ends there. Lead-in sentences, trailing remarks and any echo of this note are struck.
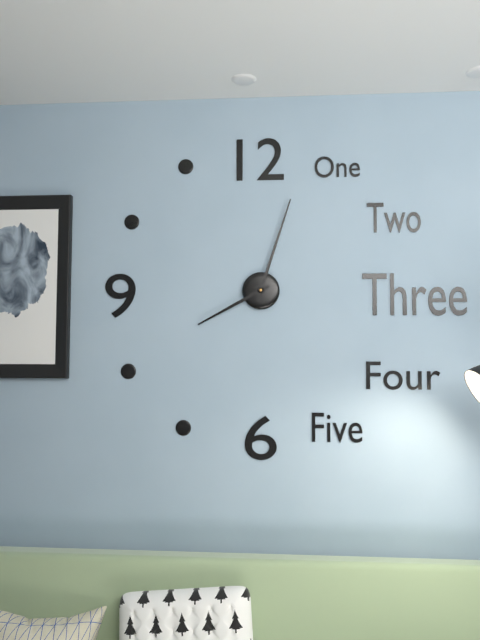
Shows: 8:03
